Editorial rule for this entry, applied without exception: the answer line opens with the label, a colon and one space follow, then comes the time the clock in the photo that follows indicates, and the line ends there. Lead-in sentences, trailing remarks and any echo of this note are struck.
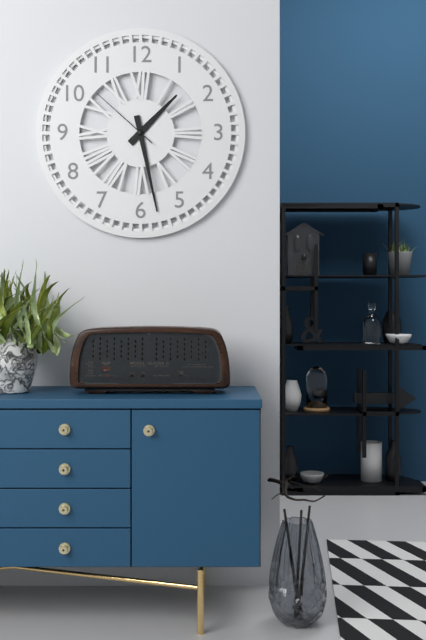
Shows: 1:28:52
